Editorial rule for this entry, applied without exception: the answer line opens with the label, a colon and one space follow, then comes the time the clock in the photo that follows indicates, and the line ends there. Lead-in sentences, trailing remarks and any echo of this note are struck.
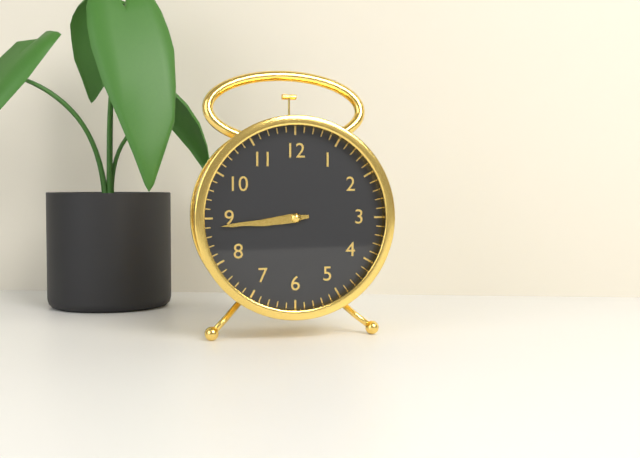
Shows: 8:44
